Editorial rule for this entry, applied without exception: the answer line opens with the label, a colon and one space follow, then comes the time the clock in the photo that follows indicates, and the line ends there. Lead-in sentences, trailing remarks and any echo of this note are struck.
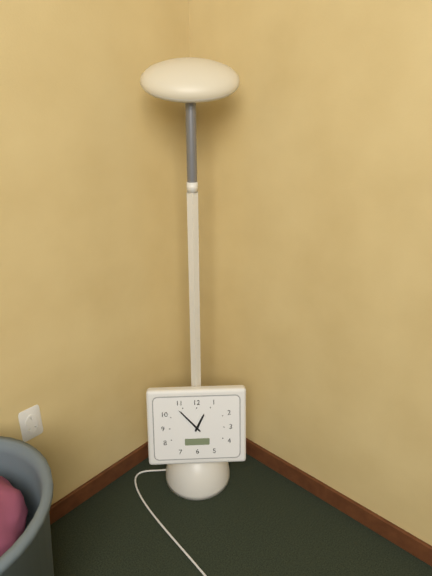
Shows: 12:53
